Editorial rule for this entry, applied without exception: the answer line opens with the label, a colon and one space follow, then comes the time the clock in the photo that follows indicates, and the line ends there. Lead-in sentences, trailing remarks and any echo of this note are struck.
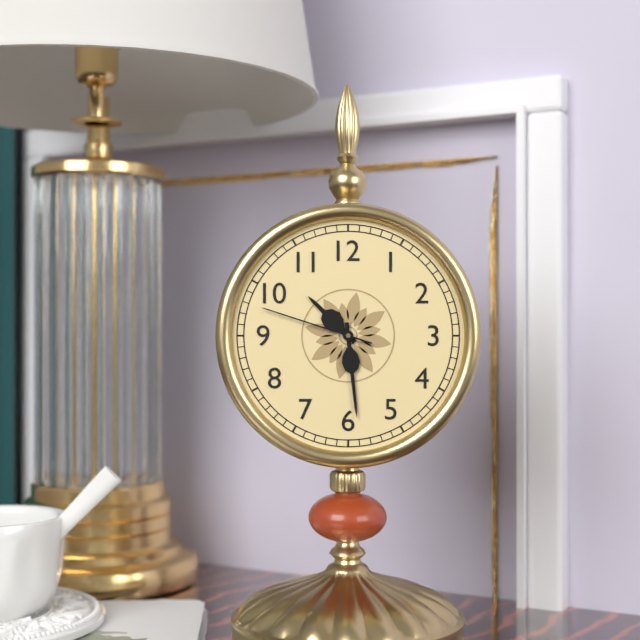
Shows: 10:29:48
